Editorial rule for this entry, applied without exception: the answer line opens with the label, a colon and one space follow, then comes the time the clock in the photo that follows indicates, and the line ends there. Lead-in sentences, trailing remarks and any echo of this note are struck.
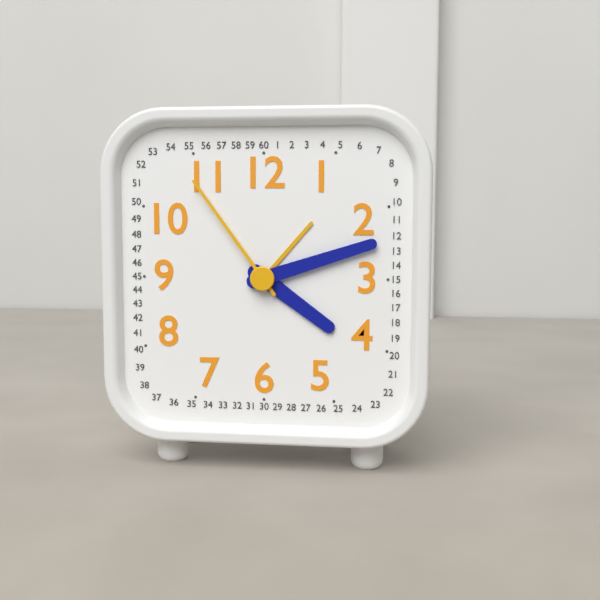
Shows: 4:12:54
